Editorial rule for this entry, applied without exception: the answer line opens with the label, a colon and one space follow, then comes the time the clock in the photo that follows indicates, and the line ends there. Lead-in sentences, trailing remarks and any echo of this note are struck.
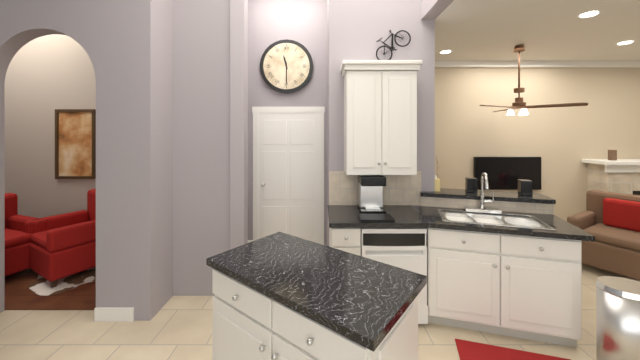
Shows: 11:30
